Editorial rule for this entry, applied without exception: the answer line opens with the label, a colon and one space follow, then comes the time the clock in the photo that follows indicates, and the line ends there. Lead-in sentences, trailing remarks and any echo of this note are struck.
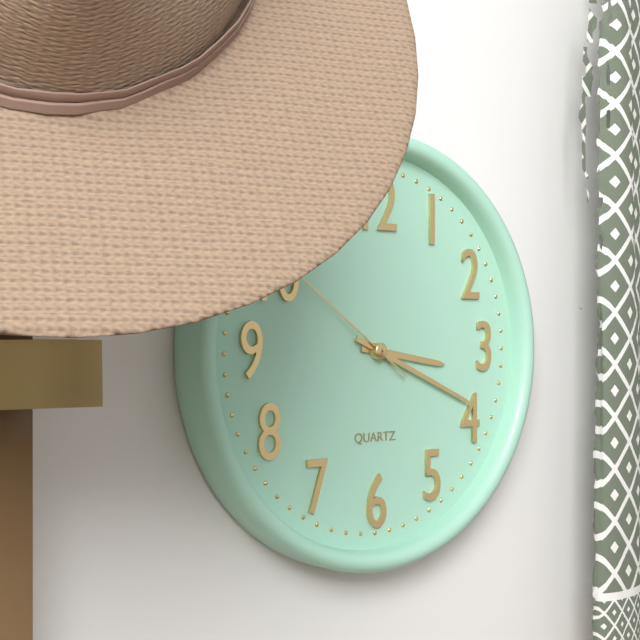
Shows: 3:19:51
